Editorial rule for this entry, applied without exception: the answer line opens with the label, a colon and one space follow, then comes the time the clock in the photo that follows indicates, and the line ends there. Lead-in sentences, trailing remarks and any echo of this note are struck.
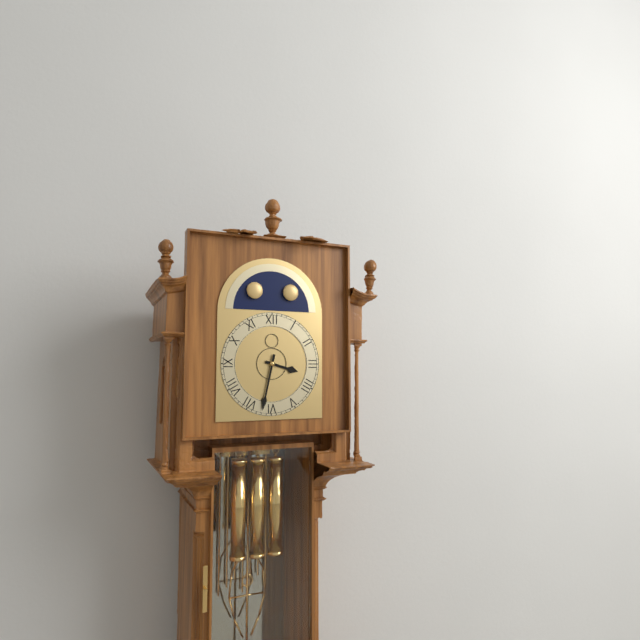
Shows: 3:32
